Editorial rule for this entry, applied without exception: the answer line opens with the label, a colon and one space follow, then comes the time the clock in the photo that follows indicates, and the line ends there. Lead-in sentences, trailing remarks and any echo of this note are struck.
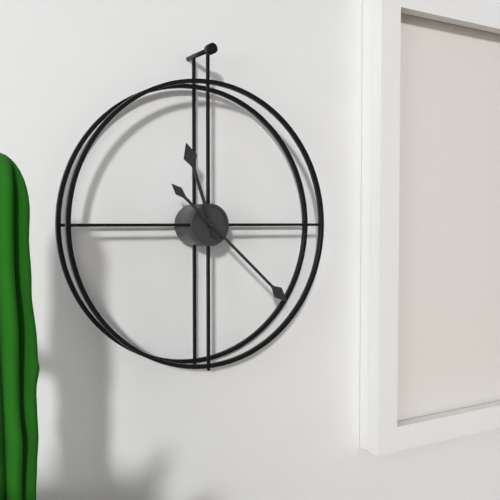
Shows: 11:22
